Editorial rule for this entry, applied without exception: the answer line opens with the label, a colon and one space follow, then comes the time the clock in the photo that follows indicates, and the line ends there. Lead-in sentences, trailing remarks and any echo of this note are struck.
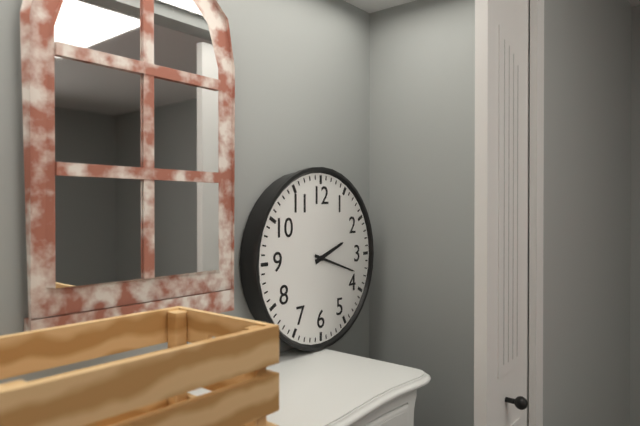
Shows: 2:18
